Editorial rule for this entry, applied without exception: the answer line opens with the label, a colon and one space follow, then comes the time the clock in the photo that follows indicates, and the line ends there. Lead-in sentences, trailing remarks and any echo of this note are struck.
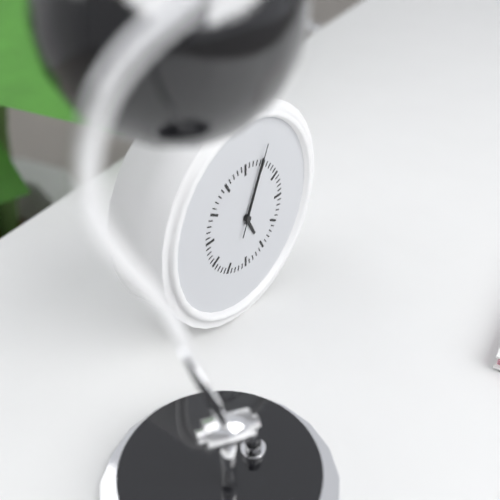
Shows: 5:04:04
